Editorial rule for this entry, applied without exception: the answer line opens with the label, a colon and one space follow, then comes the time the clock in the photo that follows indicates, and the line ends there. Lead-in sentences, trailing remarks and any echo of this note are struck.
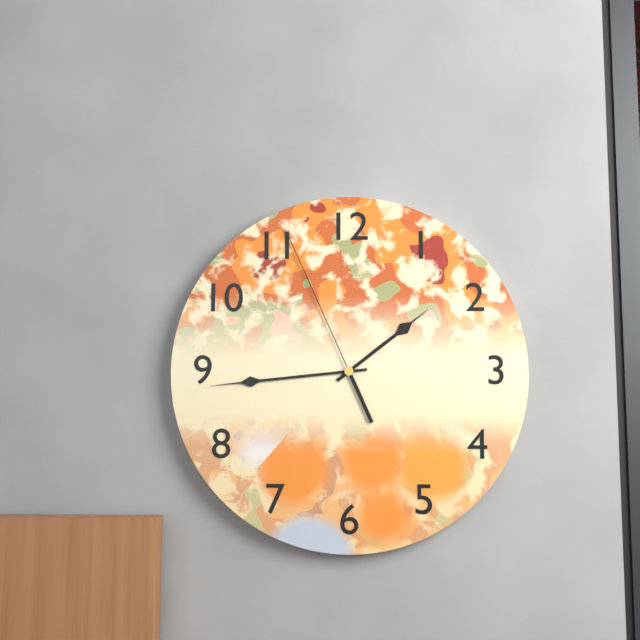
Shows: 1:44:56
